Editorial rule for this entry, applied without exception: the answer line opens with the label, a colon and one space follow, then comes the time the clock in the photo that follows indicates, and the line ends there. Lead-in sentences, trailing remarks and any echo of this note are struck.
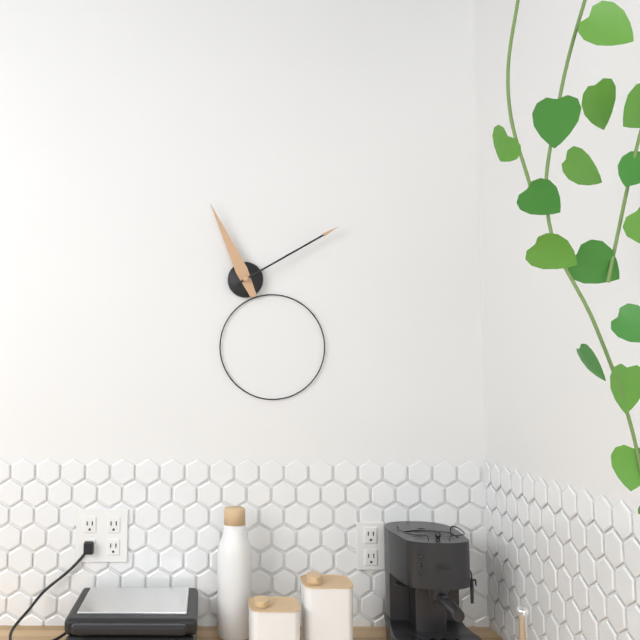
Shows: 11:10
